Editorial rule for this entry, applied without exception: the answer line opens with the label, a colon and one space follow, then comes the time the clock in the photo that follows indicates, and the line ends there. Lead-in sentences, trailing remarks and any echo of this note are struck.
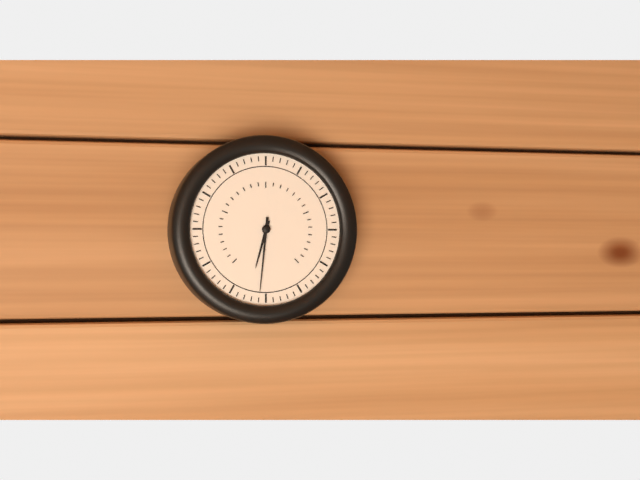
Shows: 6:31
